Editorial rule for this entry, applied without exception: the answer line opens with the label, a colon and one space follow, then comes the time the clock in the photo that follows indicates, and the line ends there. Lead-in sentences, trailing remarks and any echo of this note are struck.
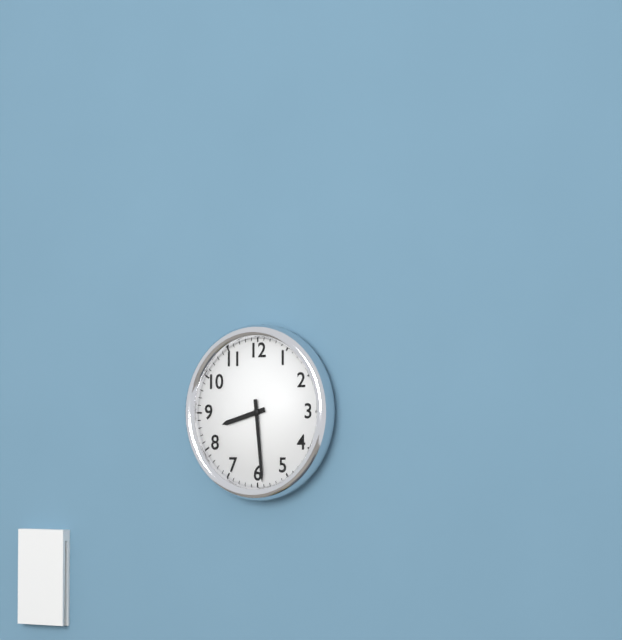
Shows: 8:29
